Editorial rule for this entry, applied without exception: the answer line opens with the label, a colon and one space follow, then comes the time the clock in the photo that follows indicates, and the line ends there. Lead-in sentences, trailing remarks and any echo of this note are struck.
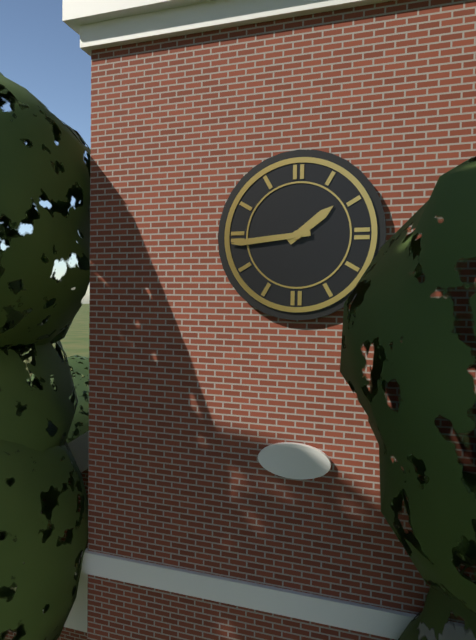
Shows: 1:44
